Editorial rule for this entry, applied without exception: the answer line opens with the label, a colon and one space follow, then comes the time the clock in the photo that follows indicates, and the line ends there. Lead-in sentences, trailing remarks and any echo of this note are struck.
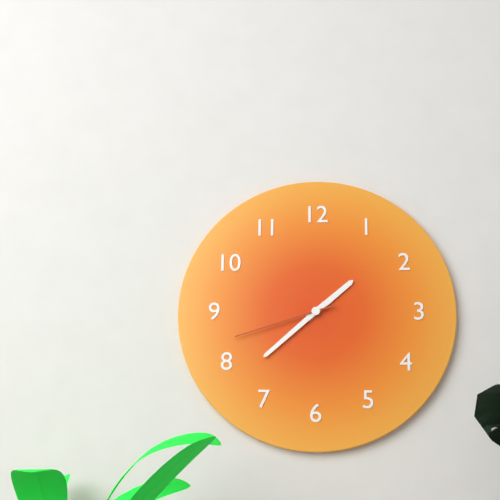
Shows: 1:38:42
